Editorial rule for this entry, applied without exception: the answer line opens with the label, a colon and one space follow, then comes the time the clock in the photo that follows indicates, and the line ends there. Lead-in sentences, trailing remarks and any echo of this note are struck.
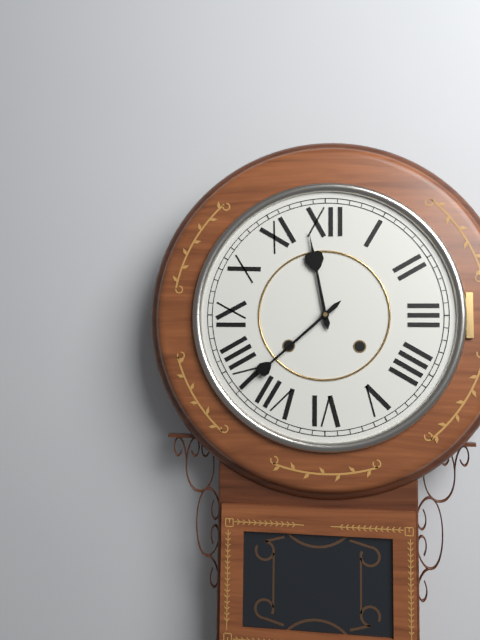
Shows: 11:38
